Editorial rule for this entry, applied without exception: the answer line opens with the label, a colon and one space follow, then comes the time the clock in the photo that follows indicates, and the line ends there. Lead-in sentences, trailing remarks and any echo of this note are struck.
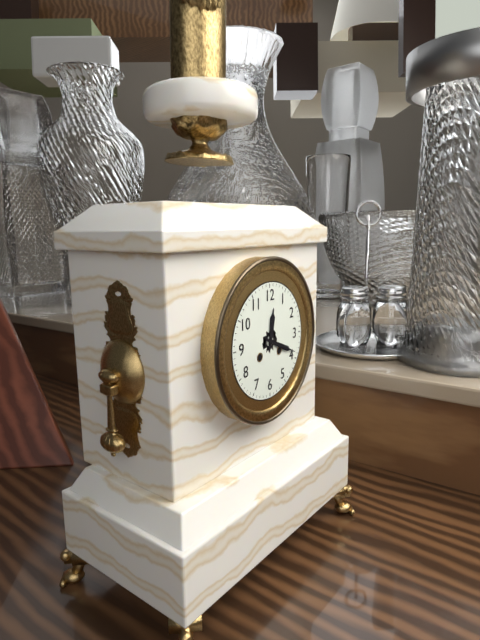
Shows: 12:19
